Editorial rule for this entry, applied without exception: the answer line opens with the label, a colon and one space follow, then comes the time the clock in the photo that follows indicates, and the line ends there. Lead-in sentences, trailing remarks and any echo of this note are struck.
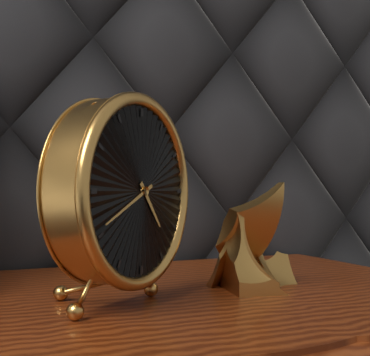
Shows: 4:41
